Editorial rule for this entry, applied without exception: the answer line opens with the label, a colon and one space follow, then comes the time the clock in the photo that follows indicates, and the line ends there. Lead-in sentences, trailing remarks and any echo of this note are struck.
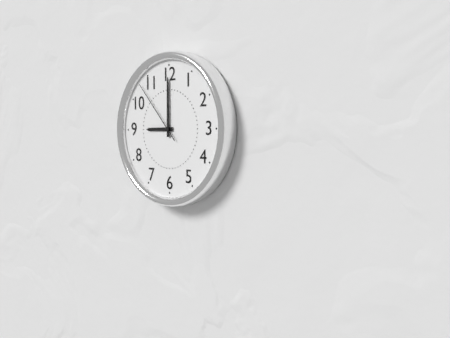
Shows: 9:00:53
